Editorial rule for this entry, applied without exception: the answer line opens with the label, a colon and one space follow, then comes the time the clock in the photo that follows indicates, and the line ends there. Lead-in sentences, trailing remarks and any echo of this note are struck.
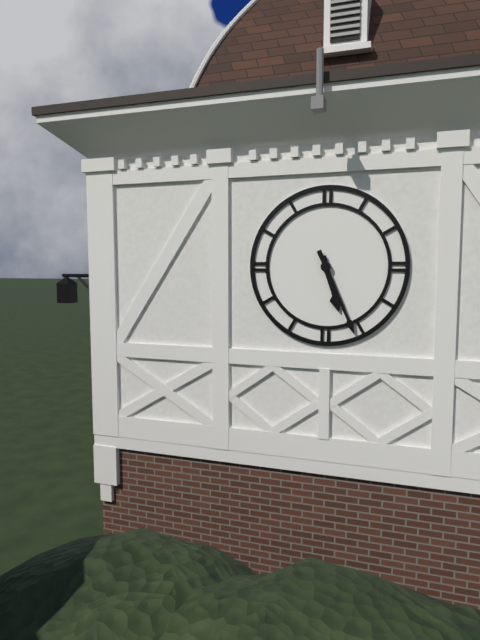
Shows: 5:26
